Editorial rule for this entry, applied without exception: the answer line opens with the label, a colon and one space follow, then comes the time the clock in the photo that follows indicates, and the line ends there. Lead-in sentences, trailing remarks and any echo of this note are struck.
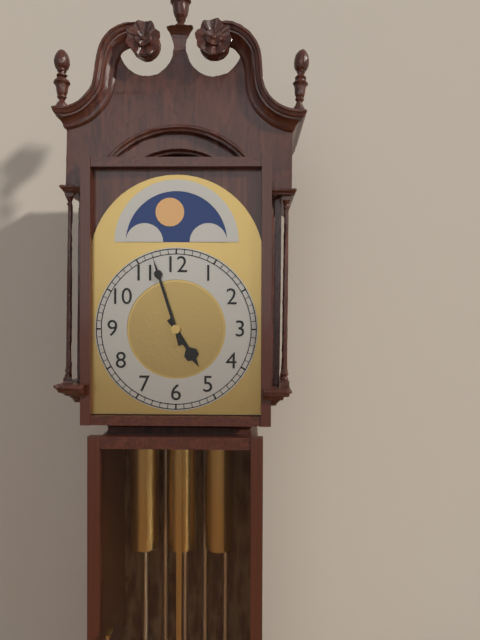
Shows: 4:57
